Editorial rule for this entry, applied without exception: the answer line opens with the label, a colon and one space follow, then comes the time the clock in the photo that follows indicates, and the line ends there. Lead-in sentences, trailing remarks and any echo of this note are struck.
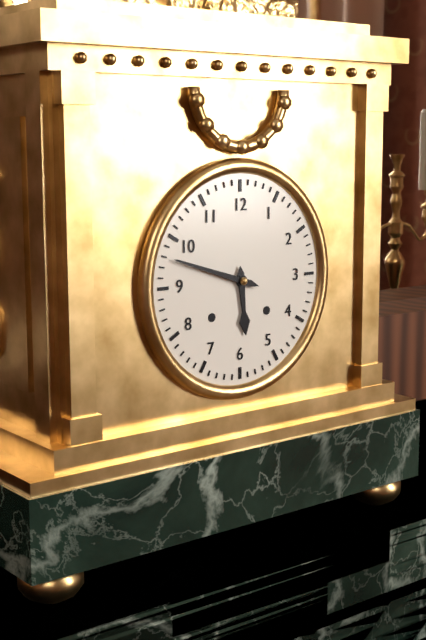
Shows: 5:48
